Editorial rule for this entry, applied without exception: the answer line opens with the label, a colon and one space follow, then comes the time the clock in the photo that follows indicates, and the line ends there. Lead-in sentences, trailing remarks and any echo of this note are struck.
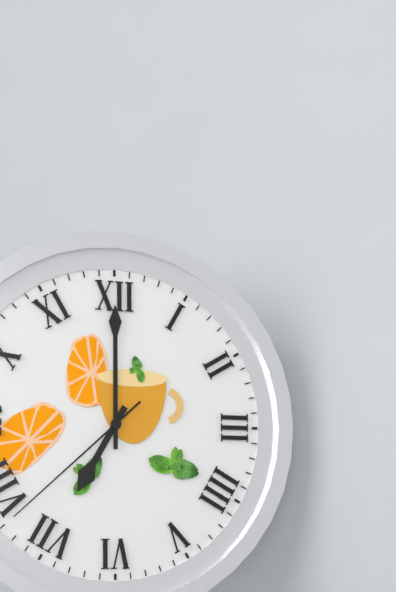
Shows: 7:00:38
